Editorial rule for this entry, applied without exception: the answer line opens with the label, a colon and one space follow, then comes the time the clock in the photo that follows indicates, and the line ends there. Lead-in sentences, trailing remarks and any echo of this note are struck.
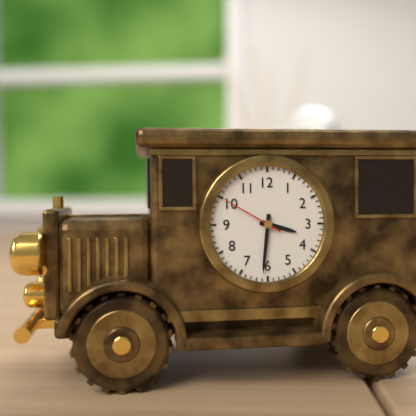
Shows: 3:31:50
